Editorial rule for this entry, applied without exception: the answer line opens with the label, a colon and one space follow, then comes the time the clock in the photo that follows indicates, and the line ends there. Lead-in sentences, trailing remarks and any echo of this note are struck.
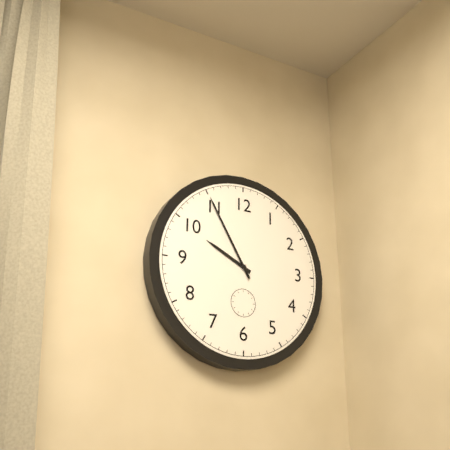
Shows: 9:55
